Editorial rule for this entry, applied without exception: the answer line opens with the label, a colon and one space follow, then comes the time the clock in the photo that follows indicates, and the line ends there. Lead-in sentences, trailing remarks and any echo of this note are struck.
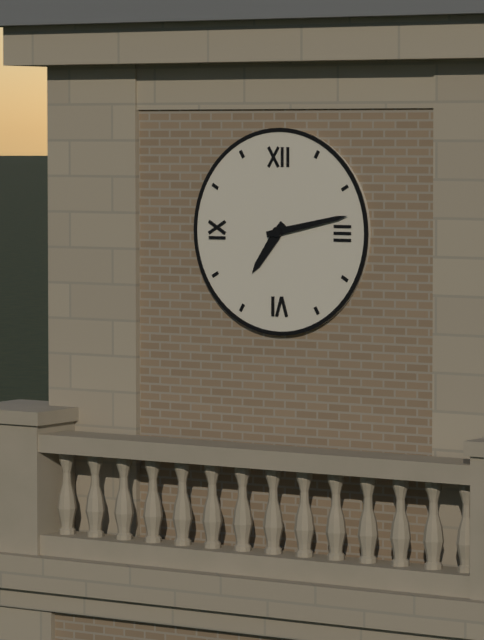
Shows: 7:13
